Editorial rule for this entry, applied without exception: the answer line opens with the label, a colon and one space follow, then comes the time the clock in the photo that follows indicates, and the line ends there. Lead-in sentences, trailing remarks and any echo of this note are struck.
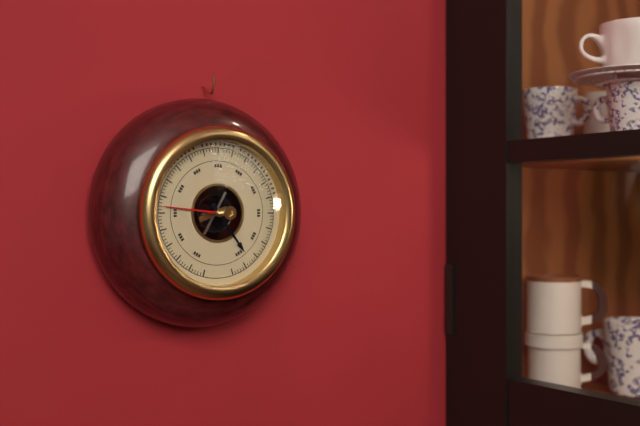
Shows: 4:46
